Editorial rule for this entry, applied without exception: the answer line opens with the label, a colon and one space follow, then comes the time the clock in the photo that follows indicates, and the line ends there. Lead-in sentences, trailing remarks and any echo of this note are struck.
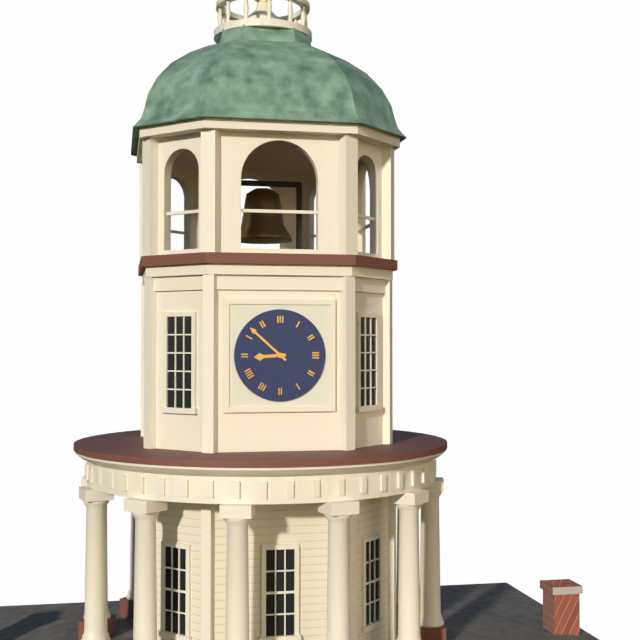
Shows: 8:52
